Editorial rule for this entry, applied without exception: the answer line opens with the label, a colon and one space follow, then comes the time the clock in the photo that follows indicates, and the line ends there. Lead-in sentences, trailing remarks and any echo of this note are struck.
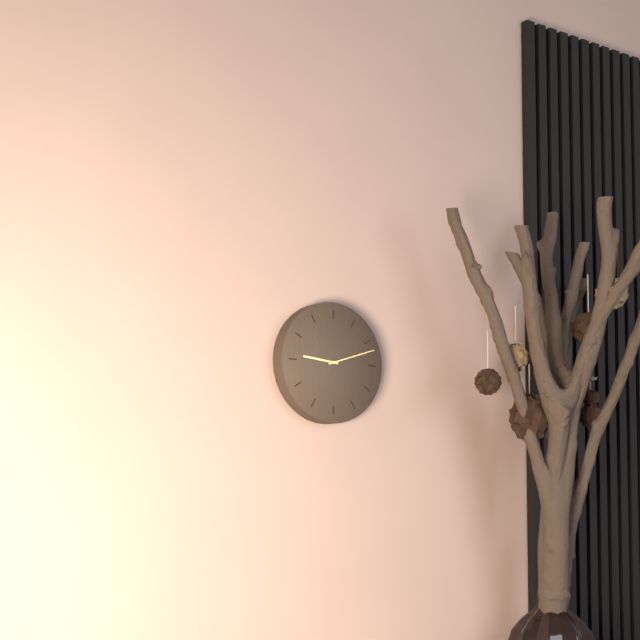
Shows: 9:12
